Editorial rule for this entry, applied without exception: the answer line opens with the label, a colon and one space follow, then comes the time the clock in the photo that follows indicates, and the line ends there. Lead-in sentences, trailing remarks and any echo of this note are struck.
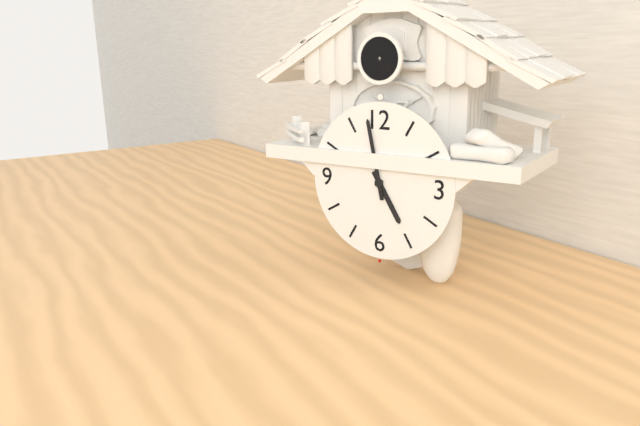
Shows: 4:58
